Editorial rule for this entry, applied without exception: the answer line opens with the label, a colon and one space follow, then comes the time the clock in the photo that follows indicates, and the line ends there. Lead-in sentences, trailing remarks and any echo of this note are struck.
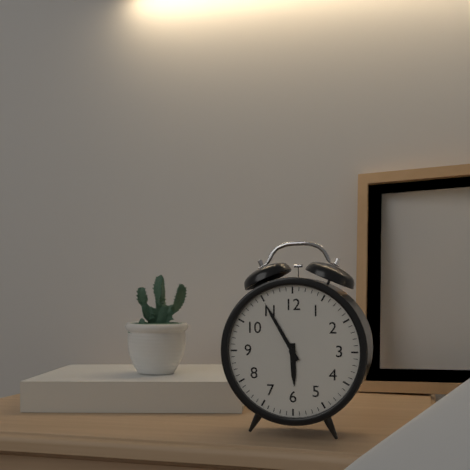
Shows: 5:55
